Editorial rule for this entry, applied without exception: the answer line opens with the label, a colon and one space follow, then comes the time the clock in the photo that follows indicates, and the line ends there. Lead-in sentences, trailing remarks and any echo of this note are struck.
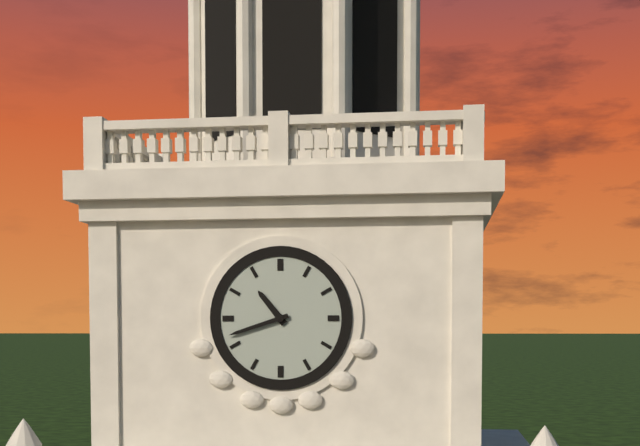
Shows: 10:42
